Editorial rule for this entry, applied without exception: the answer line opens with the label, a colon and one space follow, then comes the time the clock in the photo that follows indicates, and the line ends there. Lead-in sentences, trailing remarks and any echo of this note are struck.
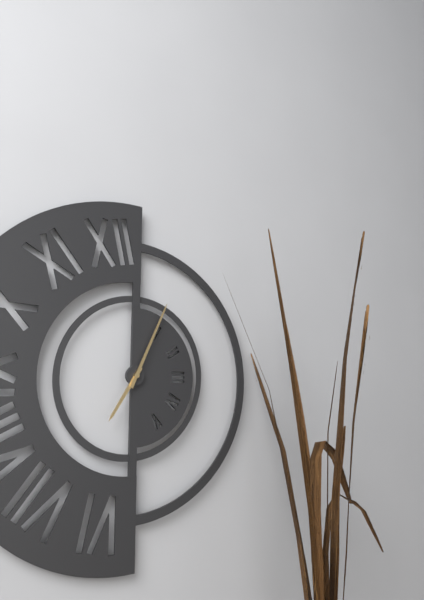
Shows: 7:04
